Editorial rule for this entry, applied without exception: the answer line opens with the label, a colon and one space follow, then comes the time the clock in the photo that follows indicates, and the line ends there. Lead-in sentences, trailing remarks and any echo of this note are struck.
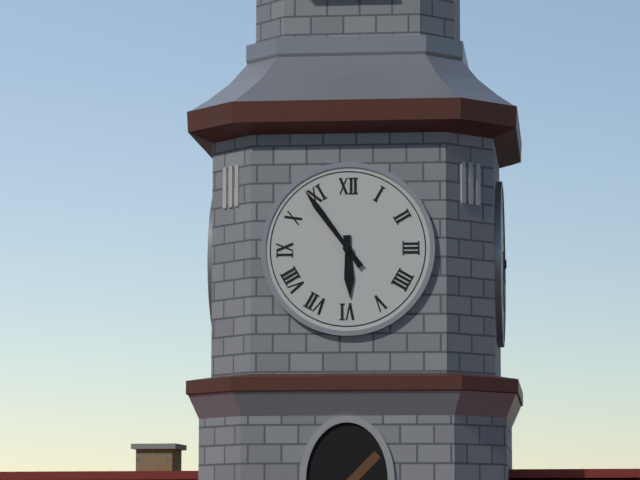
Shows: 5:54
